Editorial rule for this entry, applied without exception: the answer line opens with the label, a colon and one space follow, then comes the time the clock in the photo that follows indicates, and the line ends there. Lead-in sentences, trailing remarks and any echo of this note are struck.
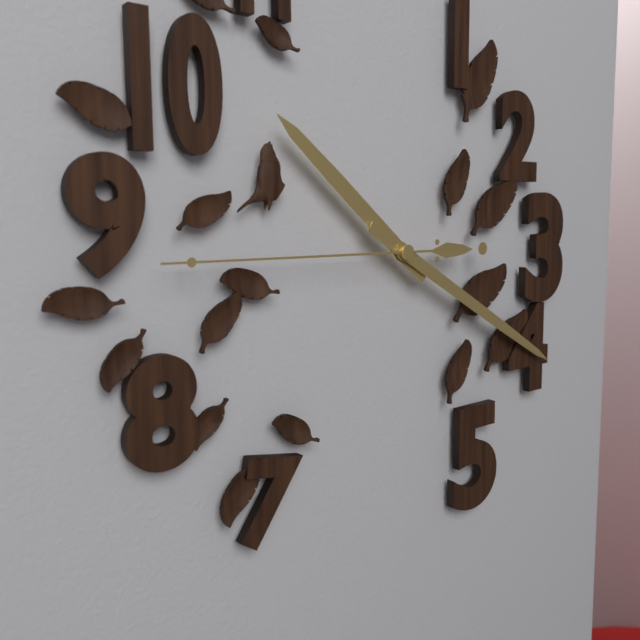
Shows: 10:20:45
